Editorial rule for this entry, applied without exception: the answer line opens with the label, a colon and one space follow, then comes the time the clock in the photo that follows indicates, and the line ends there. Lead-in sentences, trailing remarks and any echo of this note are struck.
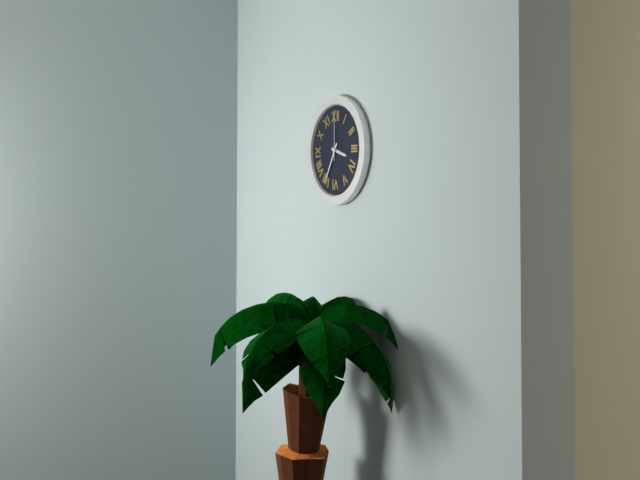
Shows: 3:35:00
